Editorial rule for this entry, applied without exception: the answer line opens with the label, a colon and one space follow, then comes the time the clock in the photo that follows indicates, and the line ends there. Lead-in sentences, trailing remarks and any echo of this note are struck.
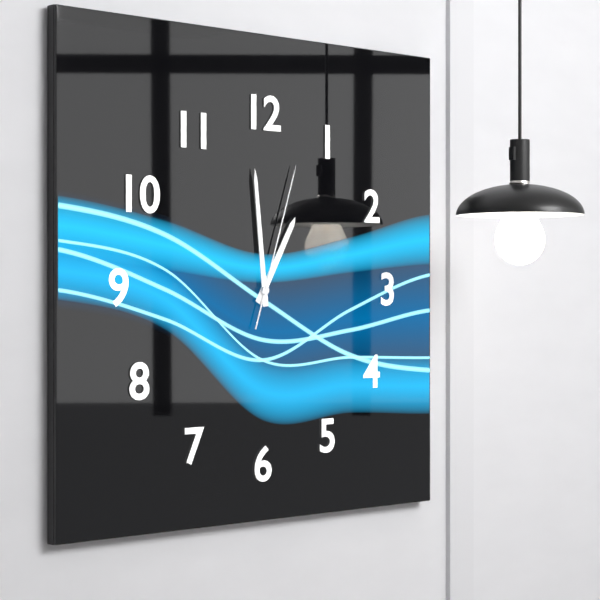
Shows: 12:59:03
